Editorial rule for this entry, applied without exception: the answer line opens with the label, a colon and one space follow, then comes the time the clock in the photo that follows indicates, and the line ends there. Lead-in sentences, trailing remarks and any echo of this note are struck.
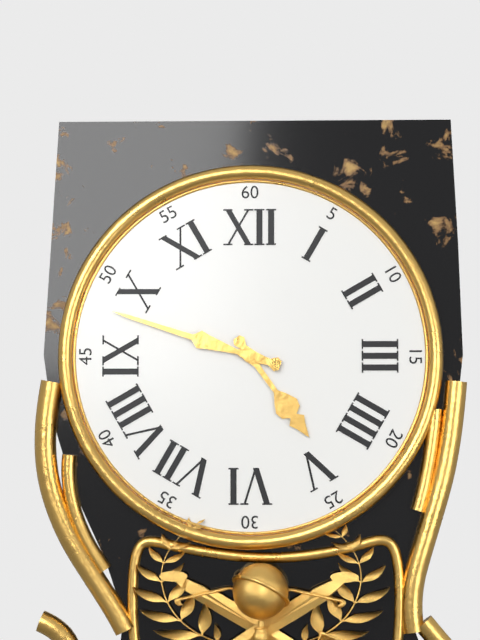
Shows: 4:48
